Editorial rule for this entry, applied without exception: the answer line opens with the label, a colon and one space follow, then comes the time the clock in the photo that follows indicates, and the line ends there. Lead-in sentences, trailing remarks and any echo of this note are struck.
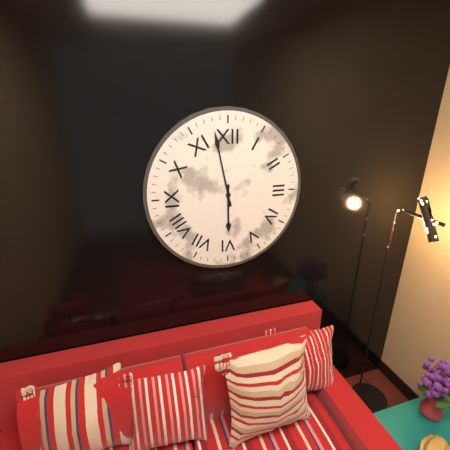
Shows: 5:58
